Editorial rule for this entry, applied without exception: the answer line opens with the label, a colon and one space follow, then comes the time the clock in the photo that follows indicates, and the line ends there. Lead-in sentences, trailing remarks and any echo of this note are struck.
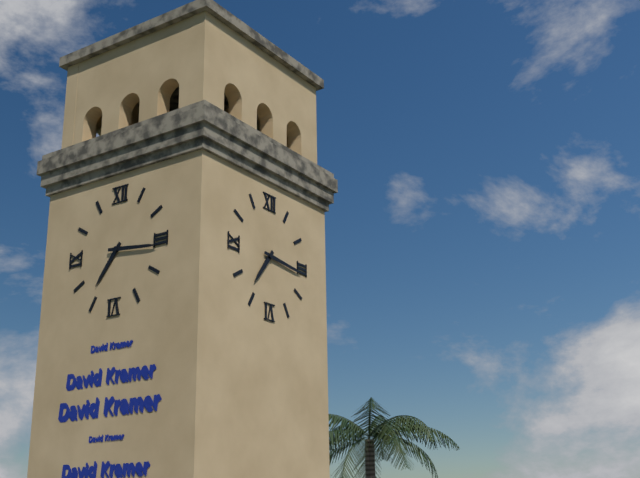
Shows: 7:16
